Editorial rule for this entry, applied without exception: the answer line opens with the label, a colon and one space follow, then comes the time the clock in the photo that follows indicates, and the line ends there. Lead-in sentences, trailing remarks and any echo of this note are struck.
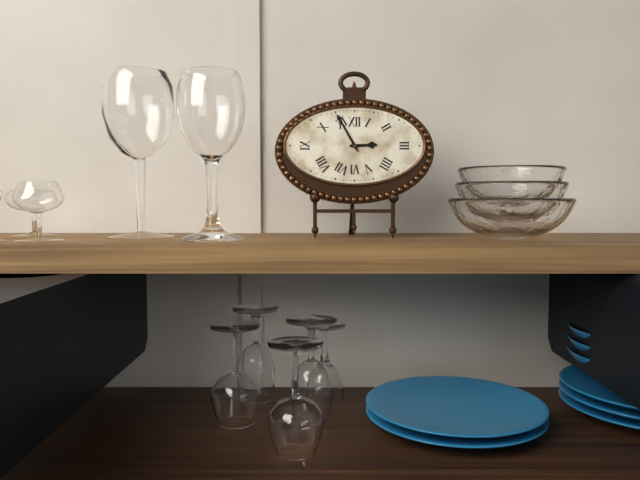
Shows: 2:55
